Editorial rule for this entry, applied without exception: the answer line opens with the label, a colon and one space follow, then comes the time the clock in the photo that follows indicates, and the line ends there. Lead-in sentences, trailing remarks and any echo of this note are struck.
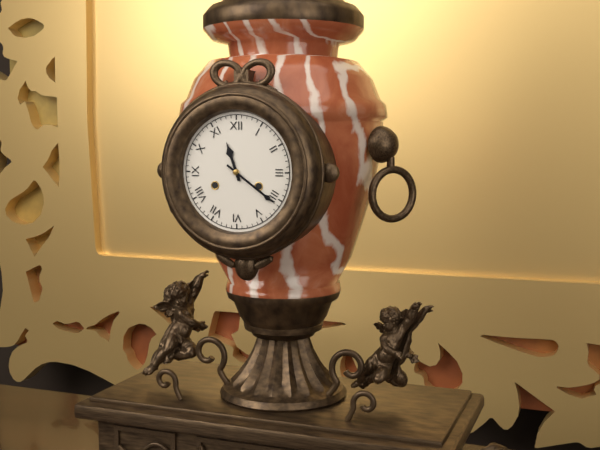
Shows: 11:21
